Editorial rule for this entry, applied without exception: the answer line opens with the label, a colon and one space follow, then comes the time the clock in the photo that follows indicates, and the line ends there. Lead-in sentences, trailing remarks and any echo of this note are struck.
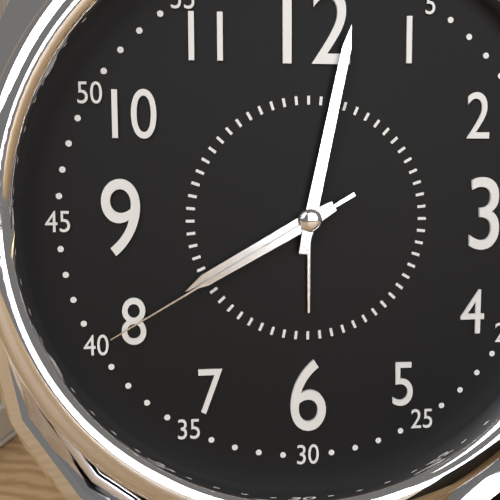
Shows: 8:02:40
